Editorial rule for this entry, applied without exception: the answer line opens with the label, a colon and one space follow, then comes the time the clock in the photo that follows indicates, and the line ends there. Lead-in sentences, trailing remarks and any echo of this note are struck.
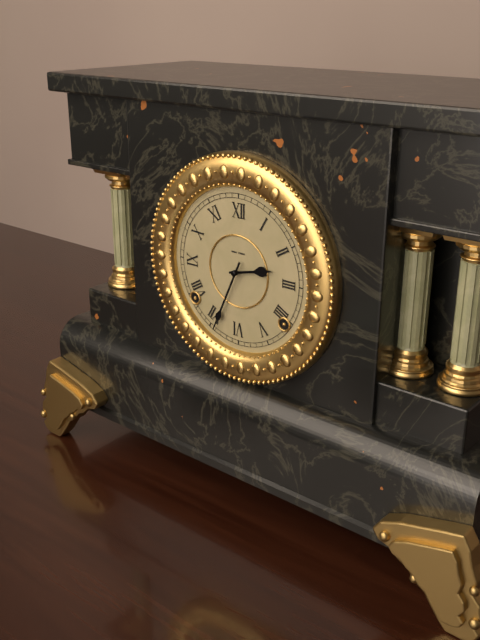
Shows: 2:34
